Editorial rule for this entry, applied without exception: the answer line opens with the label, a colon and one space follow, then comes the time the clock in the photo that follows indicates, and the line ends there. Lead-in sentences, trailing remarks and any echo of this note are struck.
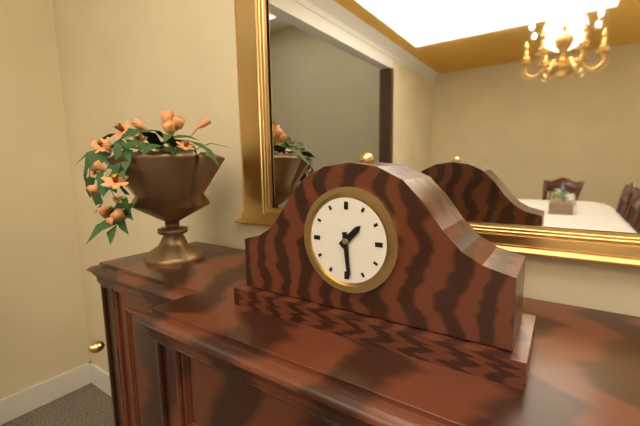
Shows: 1:29
